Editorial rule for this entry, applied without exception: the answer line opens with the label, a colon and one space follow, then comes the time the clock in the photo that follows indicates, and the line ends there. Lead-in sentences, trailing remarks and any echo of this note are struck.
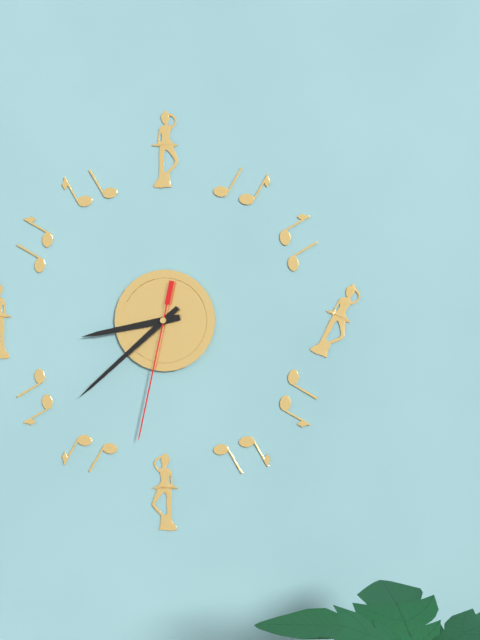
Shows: 8:38:32
